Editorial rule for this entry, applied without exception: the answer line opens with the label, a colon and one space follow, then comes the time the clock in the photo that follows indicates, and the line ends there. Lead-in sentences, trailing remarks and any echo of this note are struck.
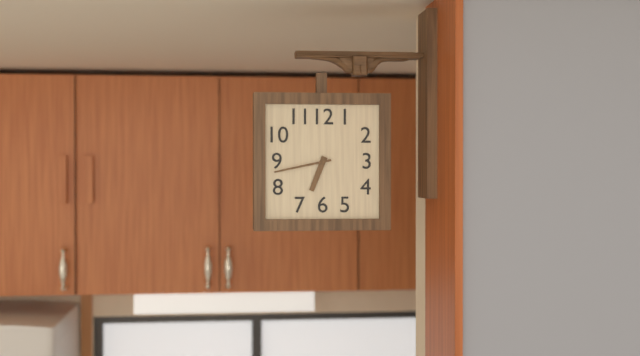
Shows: 6:43
